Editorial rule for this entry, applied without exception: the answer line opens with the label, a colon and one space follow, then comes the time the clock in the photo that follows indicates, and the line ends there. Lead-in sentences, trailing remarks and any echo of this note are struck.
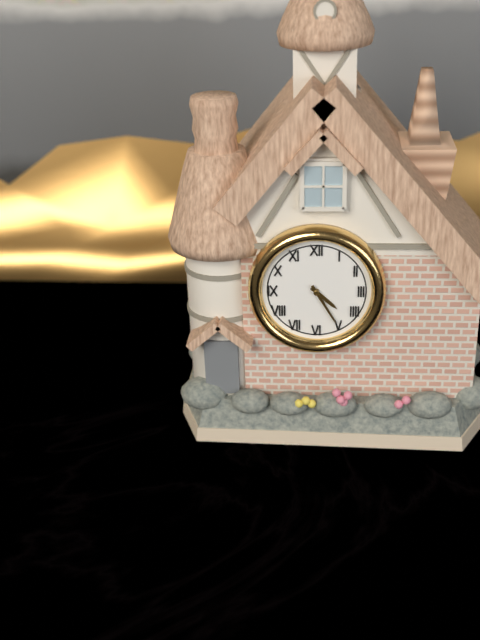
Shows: 4:25
